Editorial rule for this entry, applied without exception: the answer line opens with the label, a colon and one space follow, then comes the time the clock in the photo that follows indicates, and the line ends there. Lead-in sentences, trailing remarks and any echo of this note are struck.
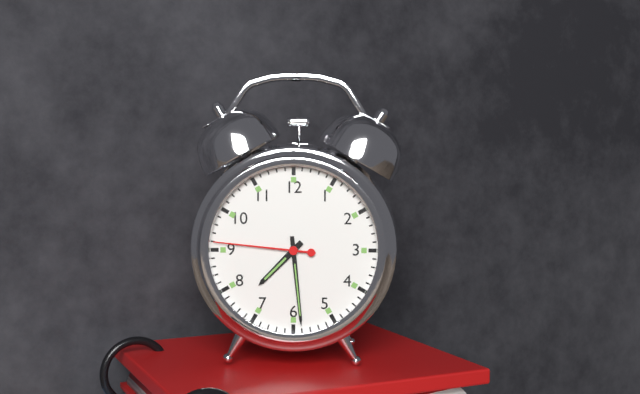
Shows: 7:29:46
